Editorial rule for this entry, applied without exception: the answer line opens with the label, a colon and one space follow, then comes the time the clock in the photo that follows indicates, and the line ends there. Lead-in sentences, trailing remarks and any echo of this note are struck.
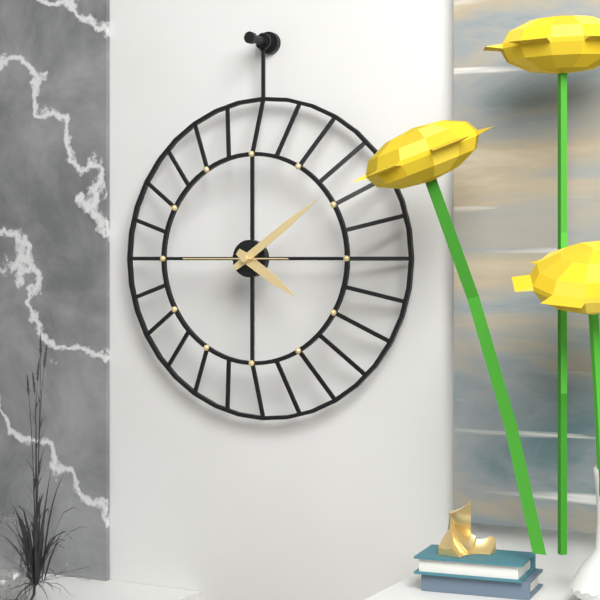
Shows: 4:09:45
